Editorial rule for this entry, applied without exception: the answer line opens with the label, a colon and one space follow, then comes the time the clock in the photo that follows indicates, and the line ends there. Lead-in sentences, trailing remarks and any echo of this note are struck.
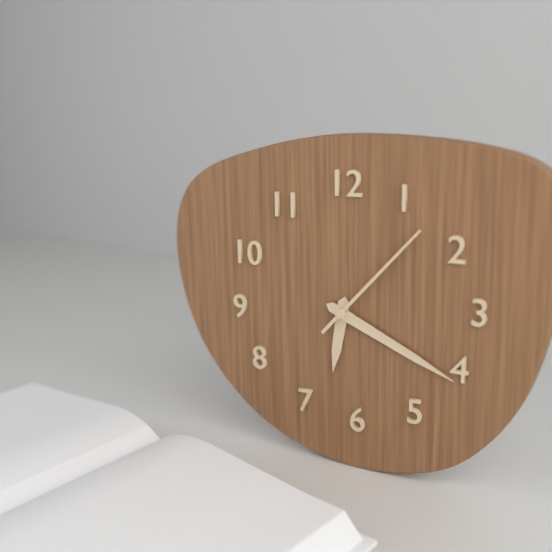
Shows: 6:19:07
